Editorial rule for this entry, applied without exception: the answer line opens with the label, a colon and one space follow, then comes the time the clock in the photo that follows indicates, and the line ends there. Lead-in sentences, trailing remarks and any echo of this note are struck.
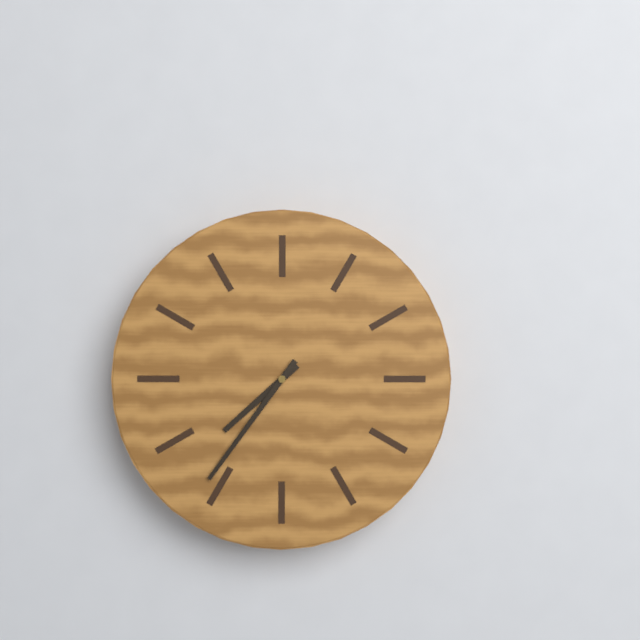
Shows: 7:36
